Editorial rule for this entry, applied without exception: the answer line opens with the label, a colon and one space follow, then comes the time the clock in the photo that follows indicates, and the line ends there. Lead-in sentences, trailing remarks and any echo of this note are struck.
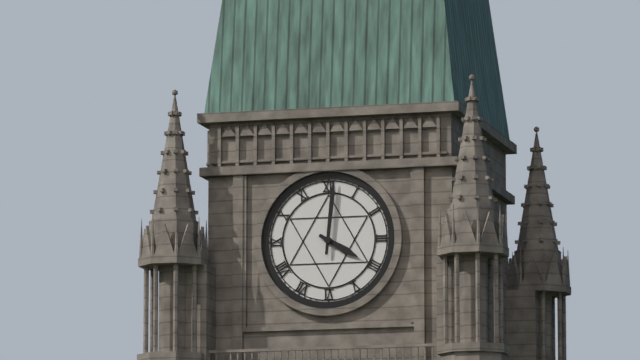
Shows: 4:01
